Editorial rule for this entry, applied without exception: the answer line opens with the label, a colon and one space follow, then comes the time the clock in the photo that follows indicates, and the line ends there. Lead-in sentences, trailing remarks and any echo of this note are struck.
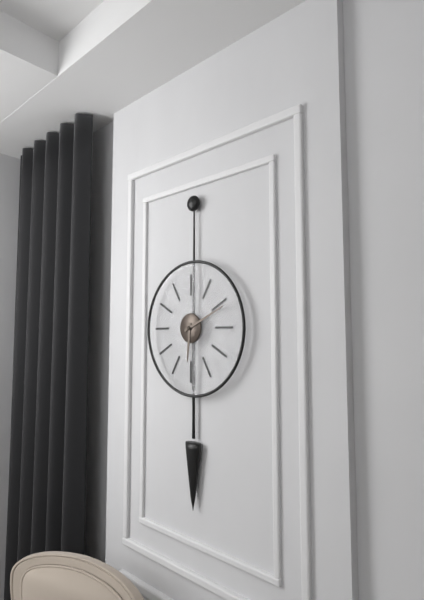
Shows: 6:11
